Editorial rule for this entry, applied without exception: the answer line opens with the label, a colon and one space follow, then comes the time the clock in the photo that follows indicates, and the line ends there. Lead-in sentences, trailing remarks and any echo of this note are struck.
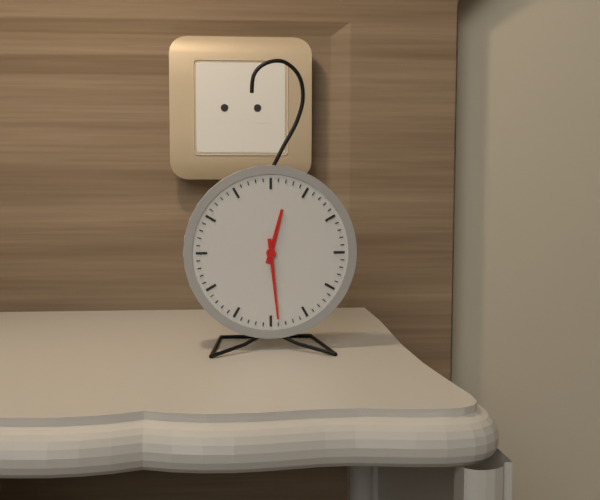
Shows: 12:29
